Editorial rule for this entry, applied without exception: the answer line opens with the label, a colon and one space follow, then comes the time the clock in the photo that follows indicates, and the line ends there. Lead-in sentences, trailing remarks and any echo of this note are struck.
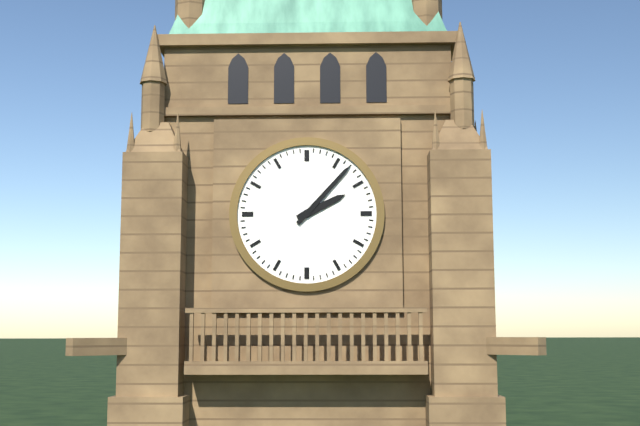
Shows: 2:07
